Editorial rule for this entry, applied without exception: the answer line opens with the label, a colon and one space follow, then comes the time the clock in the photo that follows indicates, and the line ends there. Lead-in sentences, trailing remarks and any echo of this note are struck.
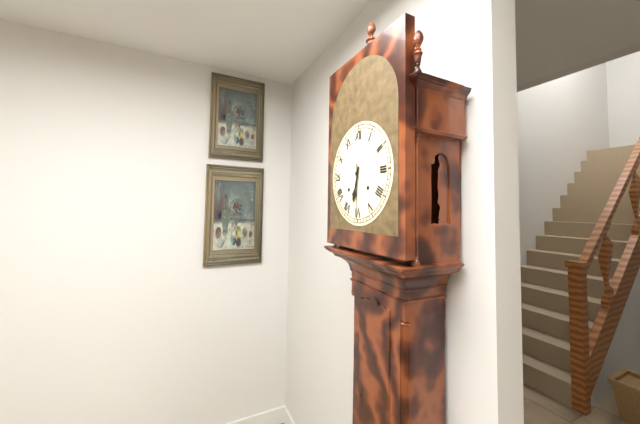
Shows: 6:30
